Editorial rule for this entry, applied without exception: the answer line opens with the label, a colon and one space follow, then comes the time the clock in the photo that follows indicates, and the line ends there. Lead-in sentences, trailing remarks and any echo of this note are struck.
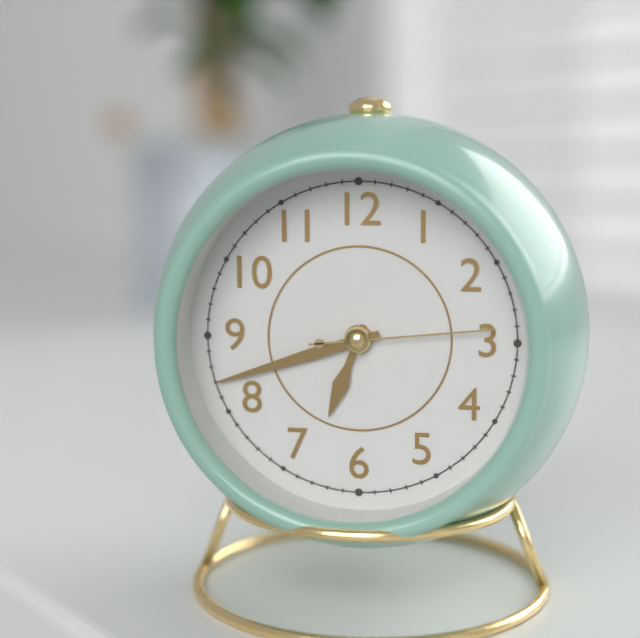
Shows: 6:42:14
